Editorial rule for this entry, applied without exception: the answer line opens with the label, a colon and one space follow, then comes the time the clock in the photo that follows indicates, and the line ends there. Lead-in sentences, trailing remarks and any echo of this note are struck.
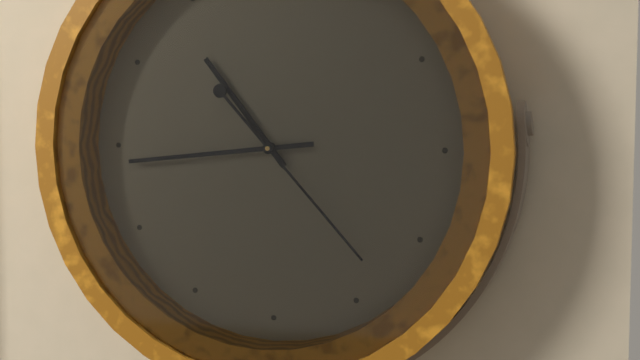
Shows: 10:44:23
